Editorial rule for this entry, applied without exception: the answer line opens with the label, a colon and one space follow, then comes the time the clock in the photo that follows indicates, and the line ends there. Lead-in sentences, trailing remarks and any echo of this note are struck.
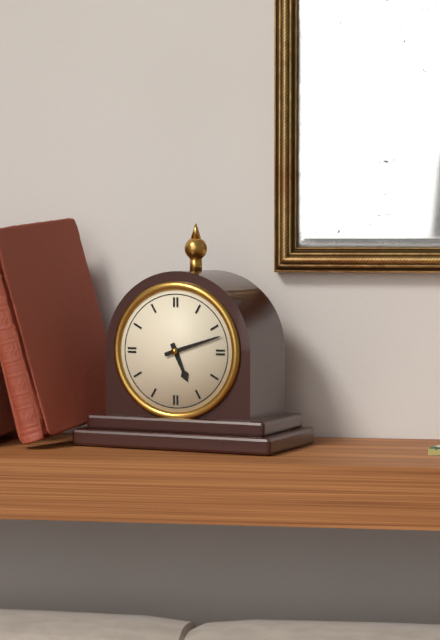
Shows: 5:12
